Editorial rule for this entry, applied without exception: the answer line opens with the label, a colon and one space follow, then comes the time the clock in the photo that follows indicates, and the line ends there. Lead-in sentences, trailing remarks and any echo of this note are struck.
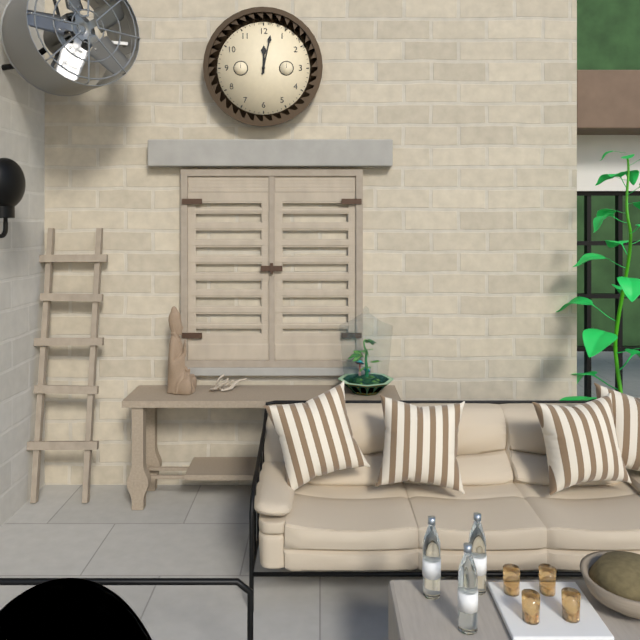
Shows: 12:02
